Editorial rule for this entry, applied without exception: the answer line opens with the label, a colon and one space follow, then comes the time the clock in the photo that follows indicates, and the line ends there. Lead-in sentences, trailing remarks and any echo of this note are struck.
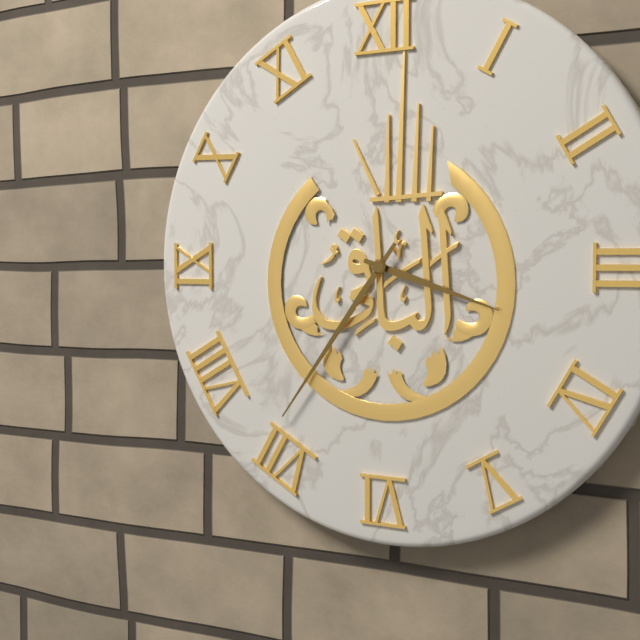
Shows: 3:36
